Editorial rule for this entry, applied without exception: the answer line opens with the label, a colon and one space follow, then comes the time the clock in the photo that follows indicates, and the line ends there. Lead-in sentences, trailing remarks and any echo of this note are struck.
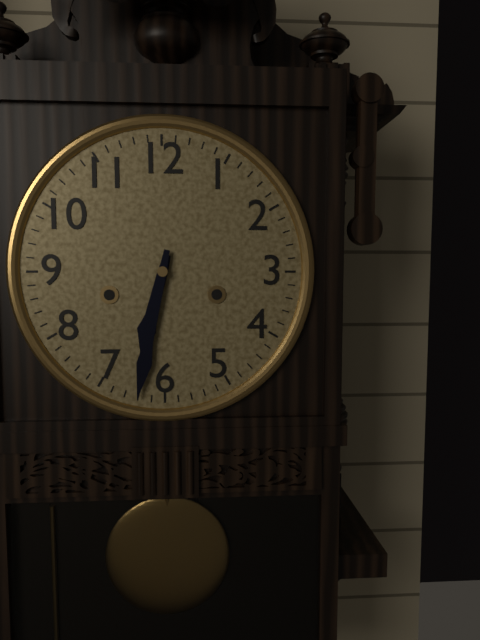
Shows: 6:32
